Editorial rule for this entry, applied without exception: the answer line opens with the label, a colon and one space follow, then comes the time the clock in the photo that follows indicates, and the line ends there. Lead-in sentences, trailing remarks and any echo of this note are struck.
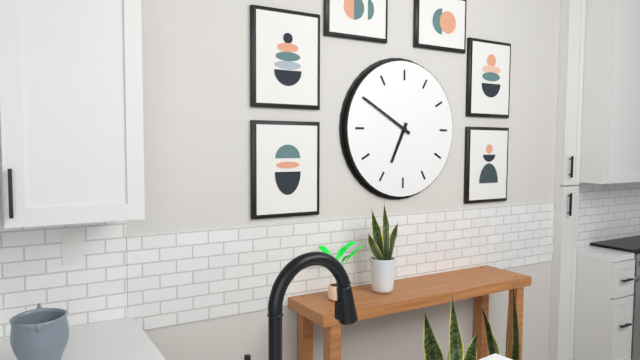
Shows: 6:50
